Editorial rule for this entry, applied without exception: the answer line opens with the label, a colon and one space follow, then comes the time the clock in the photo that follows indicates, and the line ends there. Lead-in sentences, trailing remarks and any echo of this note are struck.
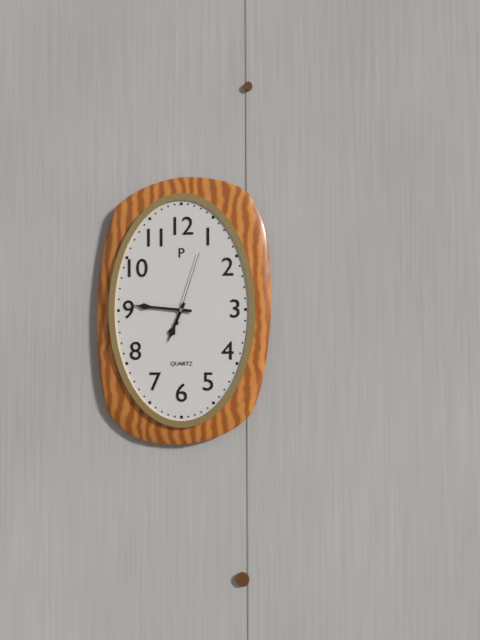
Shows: 6:46:03
